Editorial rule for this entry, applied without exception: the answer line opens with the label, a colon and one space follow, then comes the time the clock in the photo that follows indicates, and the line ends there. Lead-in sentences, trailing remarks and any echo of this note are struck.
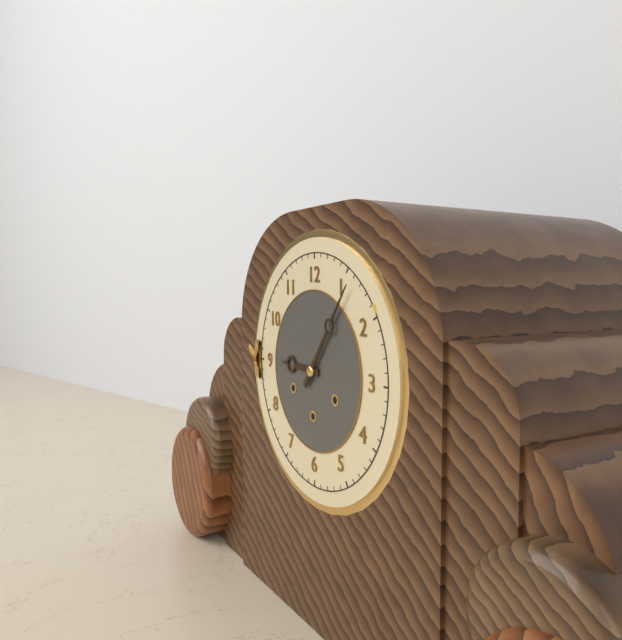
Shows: 9:06
